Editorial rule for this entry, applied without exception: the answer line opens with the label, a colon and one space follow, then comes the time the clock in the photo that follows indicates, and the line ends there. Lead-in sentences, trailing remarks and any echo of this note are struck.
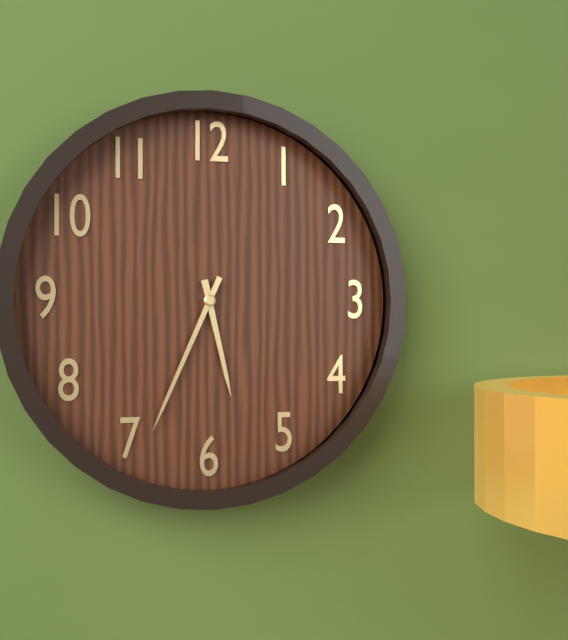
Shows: 5:34
